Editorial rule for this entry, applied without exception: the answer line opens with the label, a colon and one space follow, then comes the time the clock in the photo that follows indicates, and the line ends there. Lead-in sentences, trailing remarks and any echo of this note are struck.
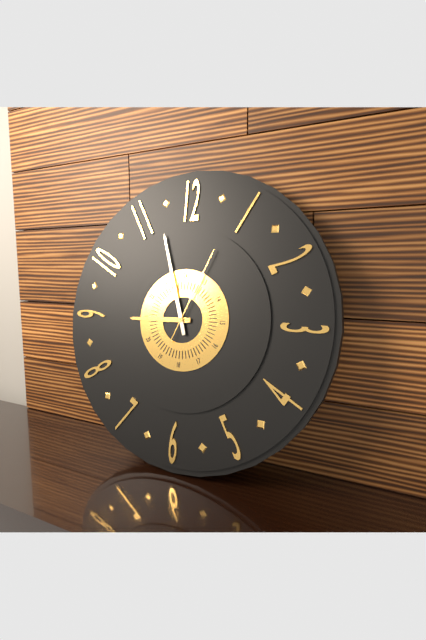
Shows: 8:57:04
